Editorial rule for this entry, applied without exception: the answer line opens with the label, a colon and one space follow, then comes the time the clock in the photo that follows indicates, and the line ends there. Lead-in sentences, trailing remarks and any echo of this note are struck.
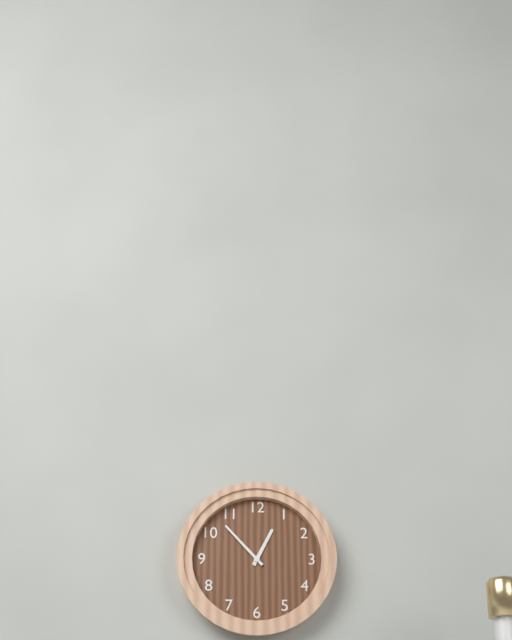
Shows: 12:53
